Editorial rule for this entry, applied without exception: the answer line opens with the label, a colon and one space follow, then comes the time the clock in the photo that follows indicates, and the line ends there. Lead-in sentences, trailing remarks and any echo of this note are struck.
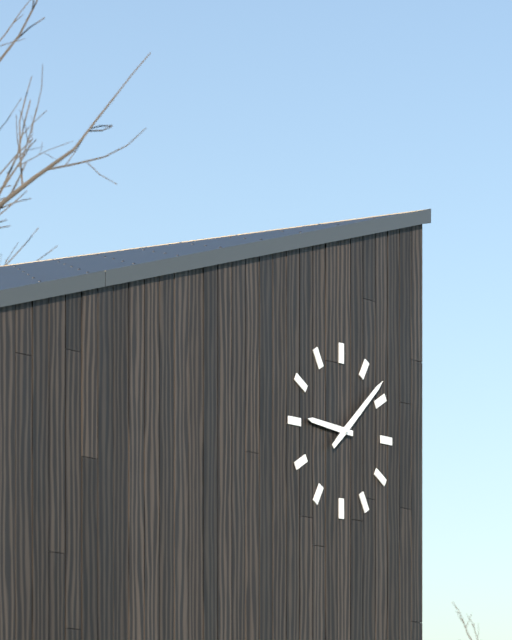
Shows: 9:08
